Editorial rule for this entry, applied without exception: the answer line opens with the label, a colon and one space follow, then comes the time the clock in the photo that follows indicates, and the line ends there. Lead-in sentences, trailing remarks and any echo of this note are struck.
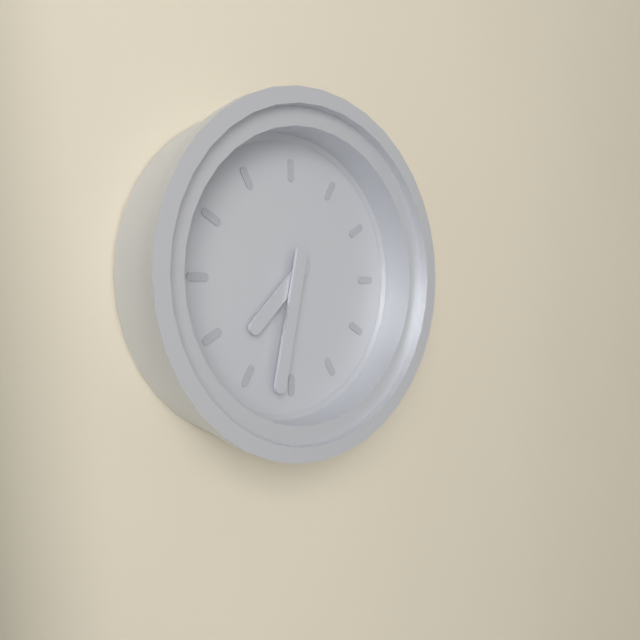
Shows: 7:32
